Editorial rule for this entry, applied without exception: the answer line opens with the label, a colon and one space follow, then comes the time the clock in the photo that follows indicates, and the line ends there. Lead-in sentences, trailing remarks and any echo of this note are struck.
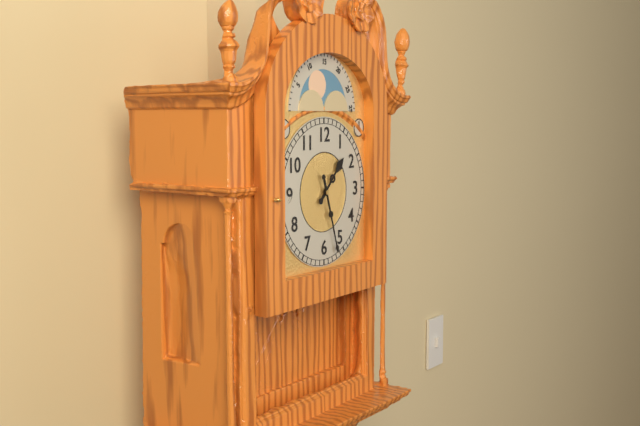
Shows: 1:27
